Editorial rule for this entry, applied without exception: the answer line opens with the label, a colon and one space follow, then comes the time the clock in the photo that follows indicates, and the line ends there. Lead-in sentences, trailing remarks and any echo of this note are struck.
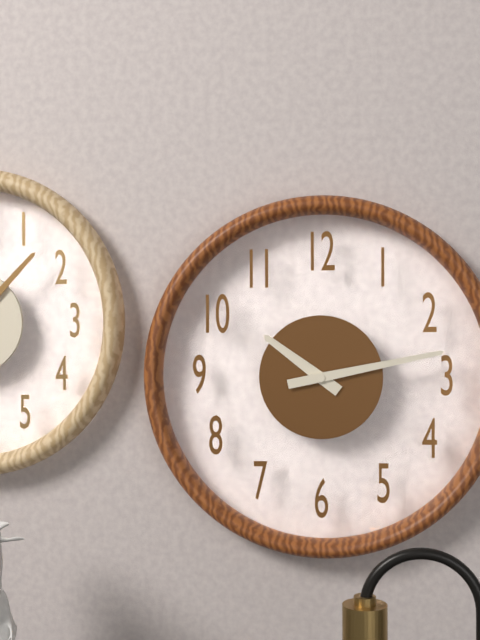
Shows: 10:13
